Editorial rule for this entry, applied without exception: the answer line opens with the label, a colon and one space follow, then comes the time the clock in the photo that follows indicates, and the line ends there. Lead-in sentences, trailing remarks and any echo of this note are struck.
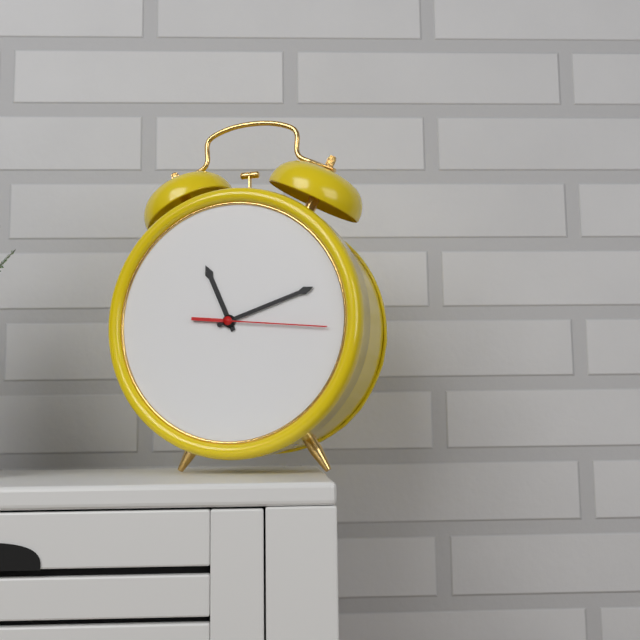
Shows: 11:12:16
